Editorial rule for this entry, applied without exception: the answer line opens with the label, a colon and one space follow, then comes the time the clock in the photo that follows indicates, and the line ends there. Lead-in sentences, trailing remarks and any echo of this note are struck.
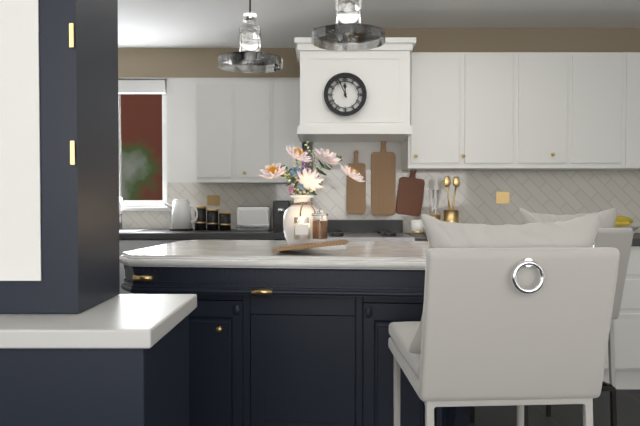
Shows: 11:56
